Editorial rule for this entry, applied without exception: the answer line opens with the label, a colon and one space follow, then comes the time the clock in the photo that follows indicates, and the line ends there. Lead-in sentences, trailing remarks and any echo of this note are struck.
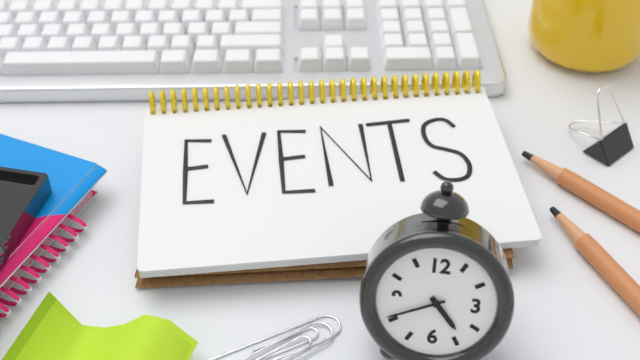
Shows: 4:41
